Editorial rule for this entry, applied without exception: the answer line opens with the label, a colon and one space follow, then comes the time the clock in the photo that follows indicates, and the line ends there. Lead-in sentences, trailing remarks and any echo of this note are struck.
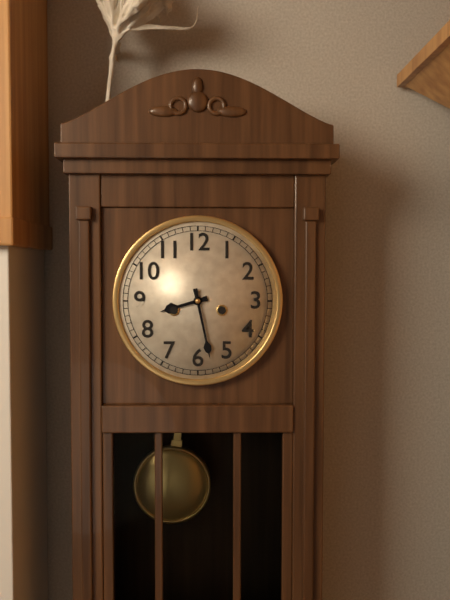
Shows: 8:28
